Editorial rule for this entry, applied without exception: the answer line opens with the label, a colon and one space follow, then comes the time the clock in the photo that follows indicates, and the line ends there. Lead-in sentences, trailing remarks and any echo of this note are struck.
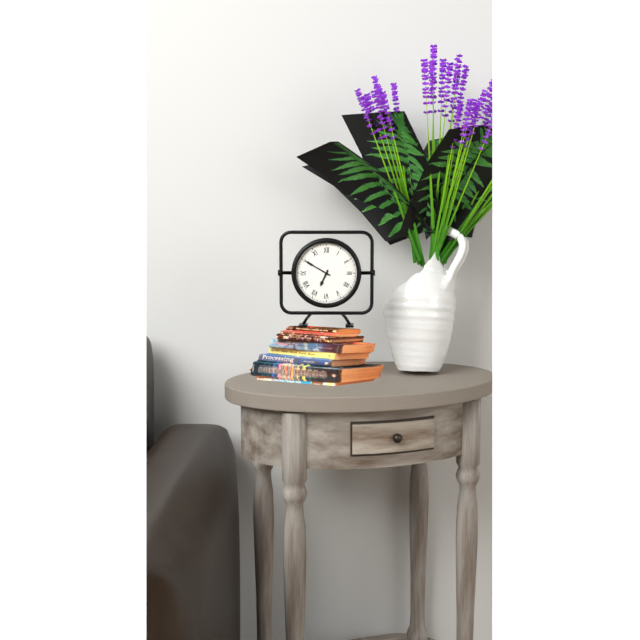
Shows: 6:50
